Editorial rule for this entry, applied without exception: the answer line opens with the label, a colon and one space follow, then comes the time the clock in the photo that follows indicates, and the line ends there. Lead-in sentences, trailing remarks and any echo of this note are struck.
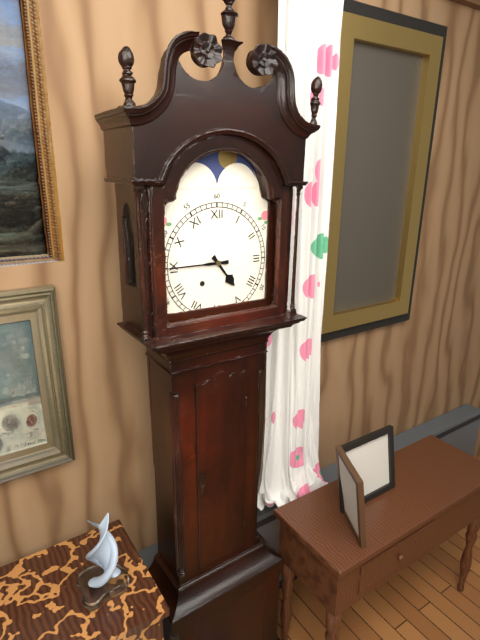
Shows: 4:45
